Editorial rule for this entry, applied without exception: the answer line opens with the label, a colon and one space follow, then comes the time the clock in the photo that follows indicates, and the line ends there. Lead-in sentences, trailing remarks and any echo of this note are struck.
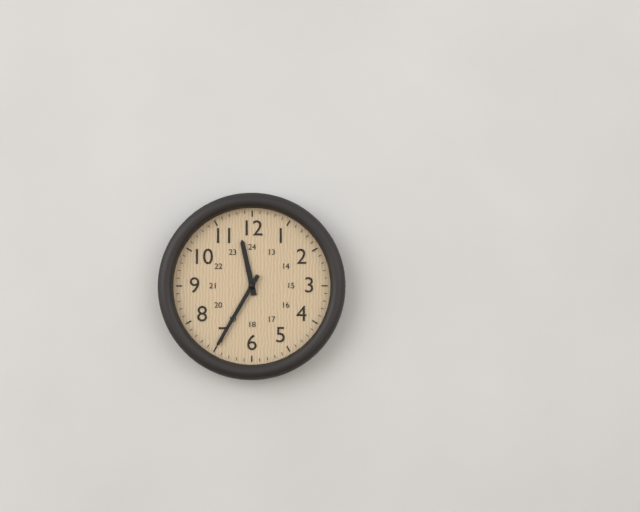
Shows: 11:35
